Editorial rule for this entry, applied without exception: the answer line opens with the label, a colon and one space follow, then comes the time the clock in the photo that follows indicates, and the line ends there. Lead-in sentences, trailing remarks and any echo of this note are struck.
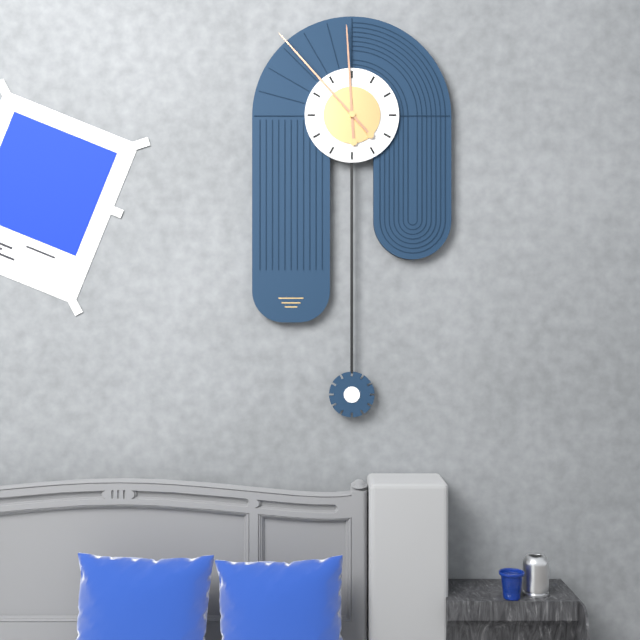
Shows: 11:53
